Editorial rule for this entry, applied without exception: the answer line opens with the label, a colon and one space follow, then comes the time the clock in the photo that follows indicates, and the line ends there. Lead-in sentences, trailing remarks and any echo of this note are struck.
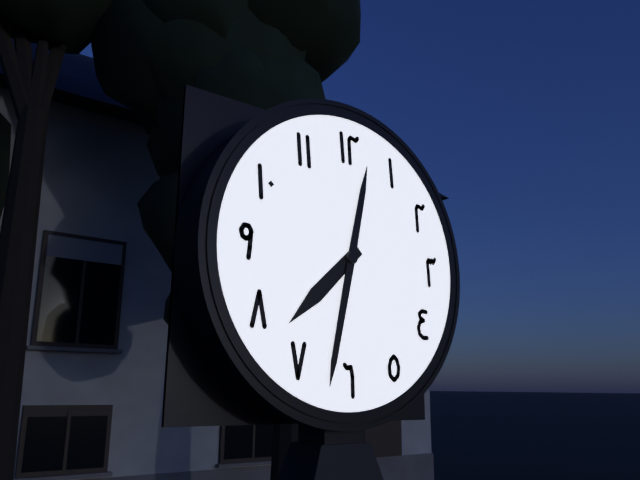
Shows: 7:32
